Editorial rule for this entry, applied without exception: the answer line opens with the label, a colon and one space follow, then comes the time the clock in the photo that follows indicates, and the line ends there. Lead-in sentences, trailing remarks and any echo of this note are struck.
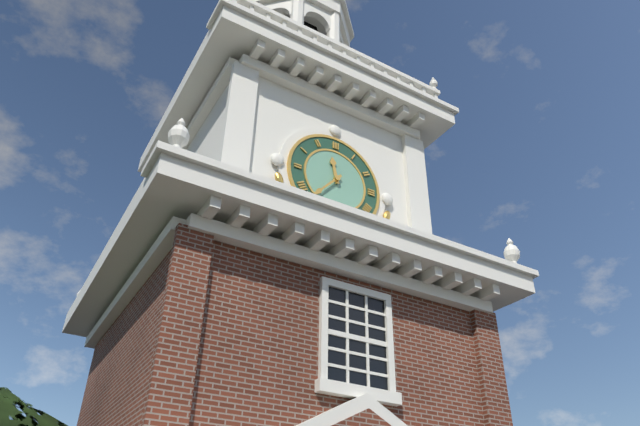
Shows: 11:37
